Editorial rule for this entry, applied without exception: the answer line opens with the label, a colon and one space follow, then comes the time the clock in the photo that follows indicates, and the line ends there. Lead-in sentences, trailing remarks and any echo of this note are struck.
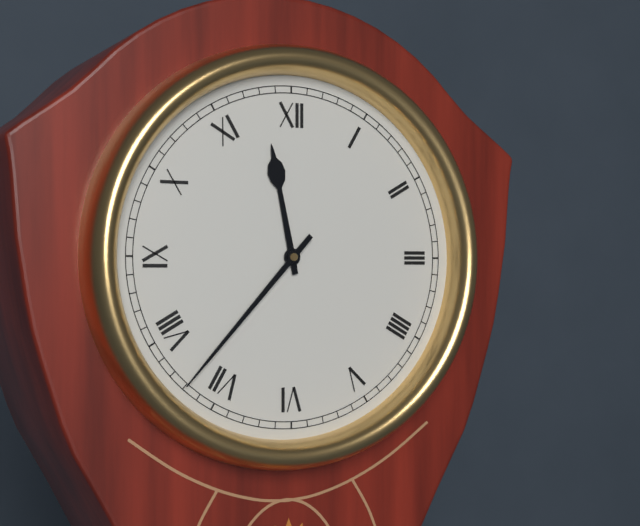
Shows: 11:37
